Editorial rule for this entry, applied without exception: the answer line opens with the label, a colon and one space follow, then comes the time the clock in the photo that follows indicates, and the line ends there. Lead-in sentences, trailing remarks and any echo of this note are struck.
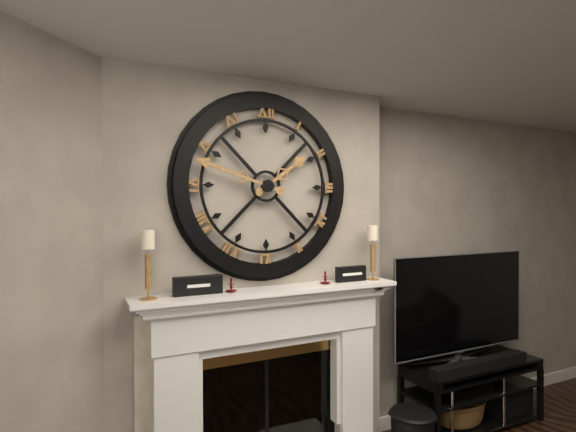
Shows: 1:48
